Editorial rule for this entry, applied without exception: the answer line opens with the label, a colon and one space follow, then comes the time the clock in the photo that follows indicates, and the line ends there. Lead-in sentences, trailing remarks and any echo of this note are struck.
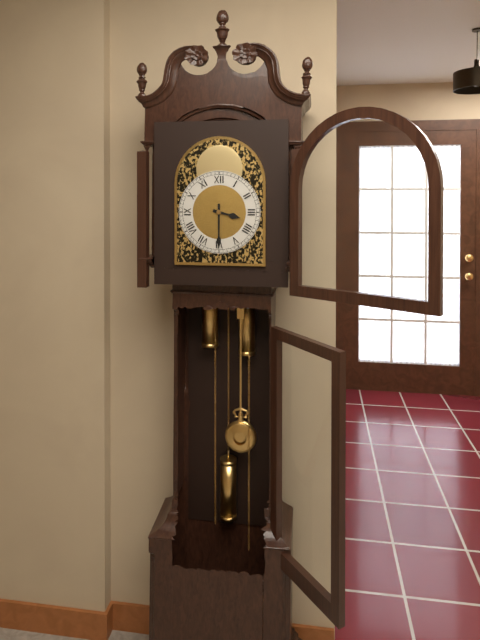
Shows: 3:30
